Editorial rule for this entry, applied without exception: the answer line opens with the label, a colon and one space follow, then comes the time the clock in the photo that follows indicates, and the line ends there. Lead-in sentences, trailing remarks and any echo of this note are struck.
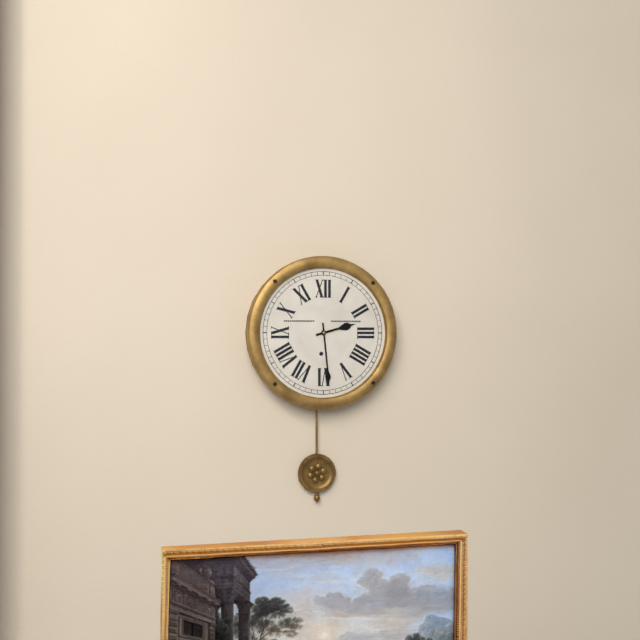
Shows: 2:29
